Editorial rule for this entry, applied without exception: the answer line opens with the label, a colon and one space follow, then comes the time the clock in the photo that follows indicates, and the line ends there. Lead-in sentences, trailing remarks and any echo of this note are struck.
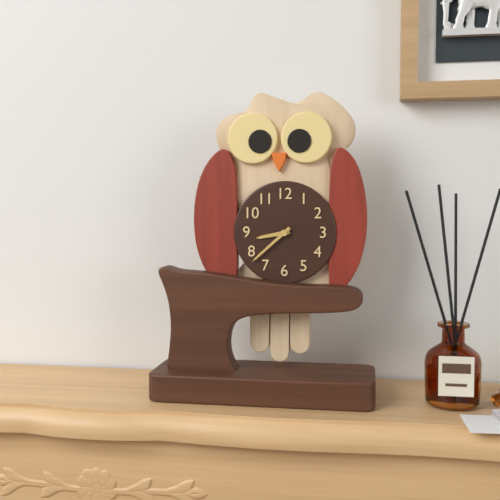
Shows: 8:38
